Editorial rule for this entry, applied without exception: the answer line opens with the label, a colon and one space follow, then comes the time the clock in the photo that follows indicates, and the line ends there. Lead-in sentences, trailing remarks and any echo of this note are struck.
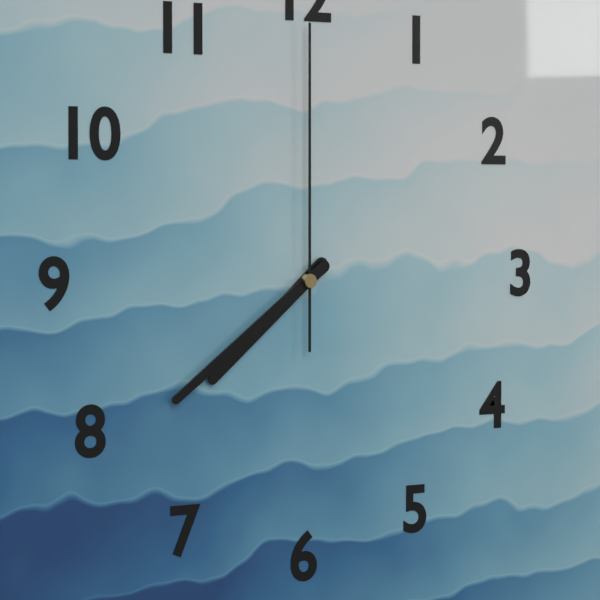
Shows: 7:39:00
